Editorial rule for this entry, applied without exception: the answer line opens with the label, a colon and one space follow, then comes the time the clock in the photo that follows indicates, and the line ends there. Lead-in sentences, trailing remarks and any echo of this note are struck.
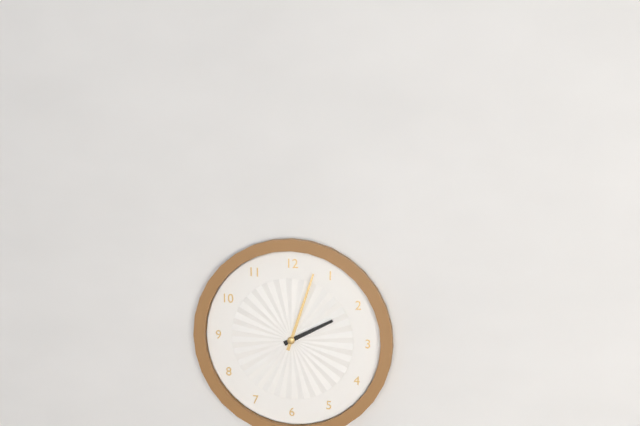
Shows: 2:03
